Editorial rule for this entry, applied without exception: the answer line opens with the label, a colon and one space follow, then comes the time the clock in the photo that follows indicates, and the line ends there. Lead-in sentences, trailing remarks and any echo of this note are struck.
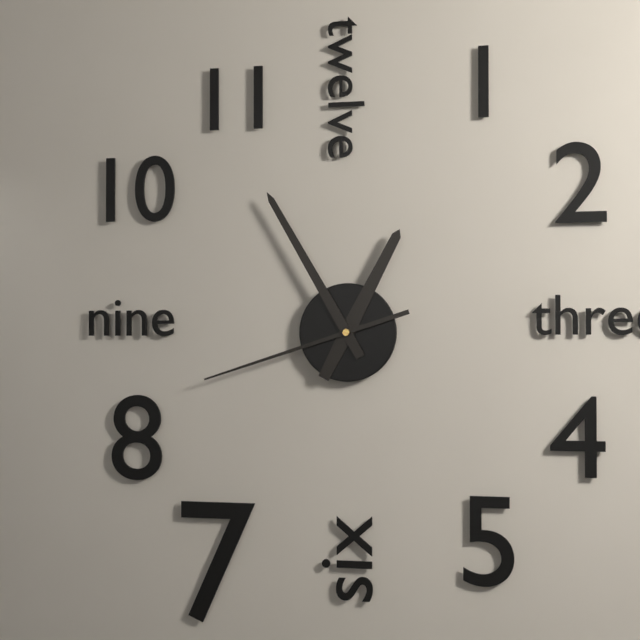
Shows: 12:55:42
